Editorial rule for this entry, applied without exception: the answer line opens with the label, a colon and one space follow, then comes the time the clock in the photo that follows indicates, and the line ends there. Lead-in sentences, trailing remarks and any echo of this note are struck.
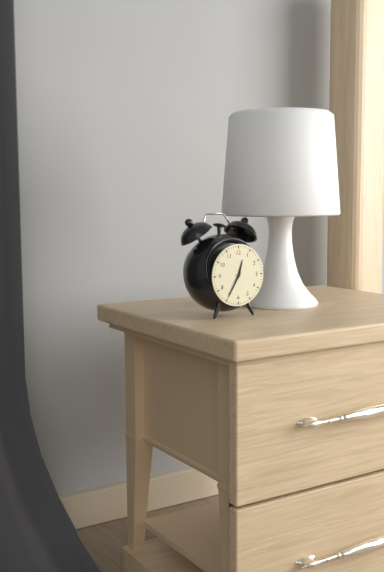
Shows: 12:35
